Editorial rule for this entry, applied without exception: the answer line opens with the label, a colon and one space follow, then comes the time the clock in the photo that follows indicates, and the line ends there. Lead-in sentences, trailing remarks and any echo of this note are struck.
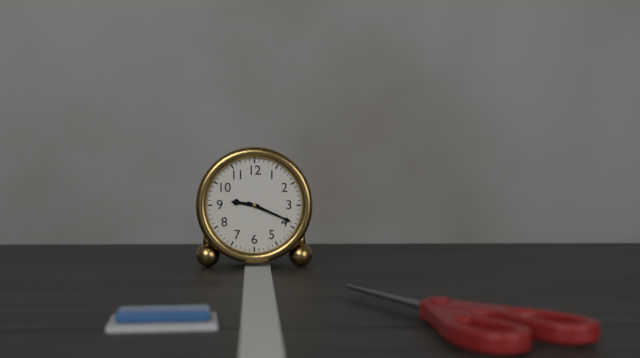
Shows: 9:19
